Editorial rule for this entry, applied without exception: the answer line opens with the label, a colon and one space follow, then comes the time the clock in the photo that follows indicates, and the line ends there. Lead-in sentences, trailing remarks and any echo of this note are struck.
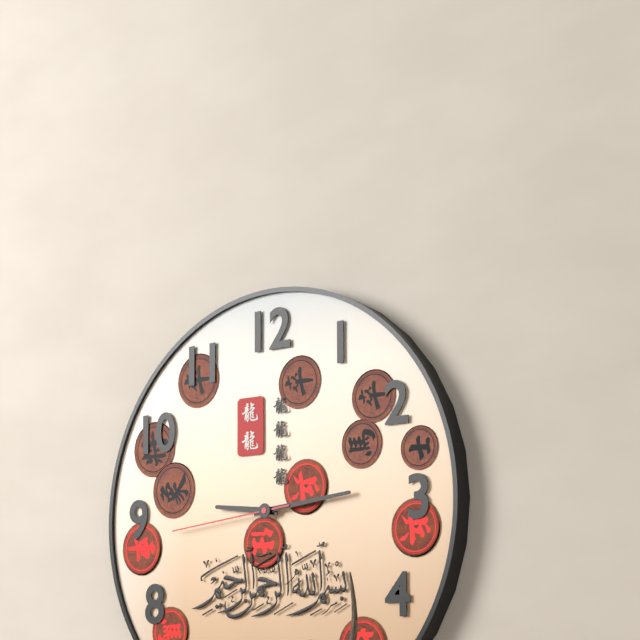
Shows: 9:14:44
